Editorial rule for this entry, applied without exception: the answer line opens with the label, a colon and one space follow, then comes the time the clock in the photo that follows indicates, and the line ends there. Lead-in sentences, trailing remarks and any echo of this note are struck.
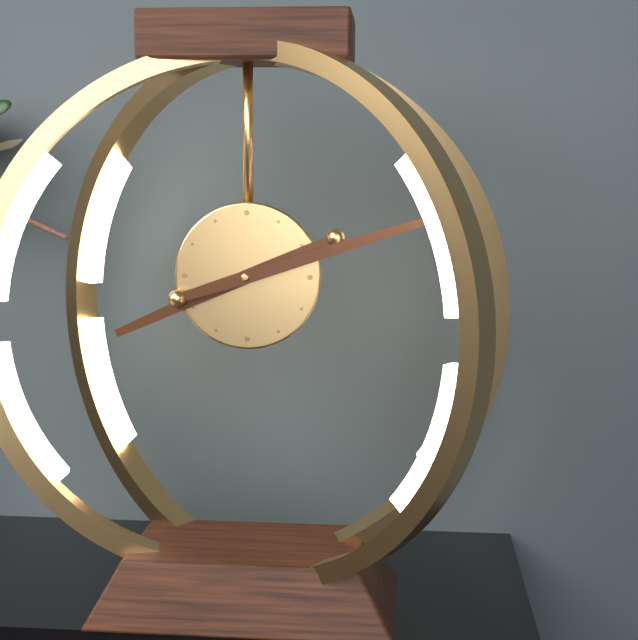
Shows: 8:12
